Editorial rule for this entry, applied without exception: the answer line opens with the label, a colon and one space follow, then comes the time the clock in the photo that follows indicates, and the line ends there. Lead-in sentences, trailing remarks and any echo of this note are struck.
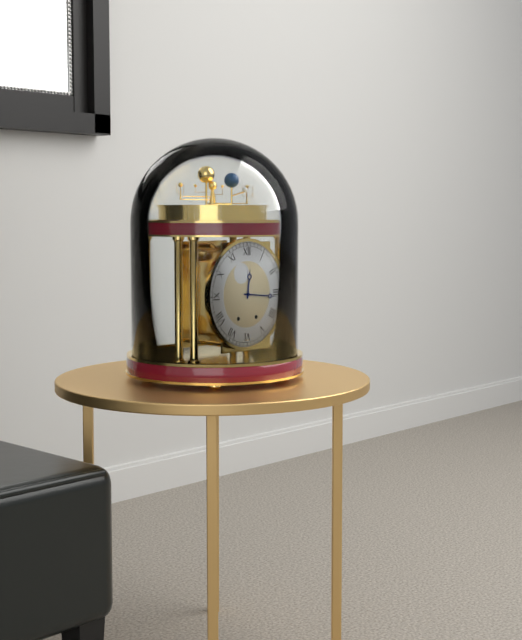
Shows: 12:16
